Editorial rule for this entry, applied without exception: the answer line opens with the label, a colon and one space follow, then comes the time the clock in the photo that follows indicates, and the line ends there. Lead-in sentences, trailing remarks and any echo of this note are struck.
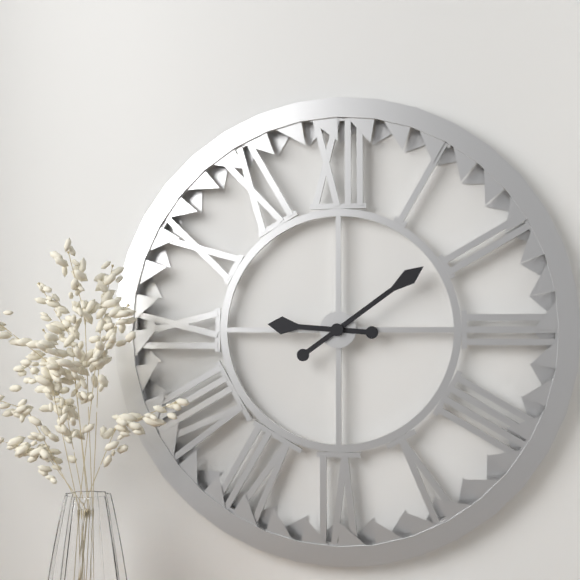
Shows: 9:09
